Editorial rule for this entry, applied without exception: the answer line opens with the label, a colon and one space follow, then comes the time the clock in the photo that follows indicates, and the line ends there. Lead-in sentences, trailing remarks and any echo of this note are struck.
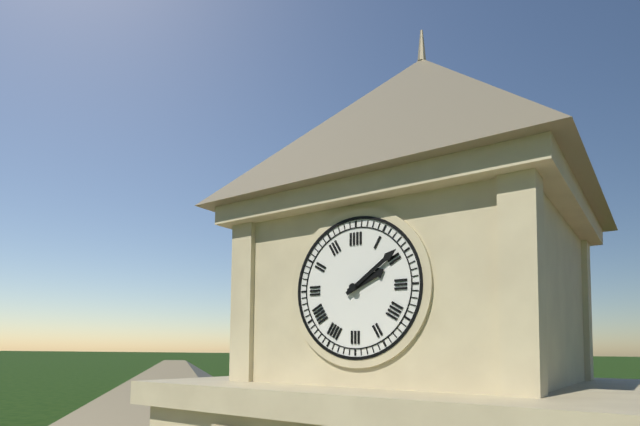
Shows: 2:09
